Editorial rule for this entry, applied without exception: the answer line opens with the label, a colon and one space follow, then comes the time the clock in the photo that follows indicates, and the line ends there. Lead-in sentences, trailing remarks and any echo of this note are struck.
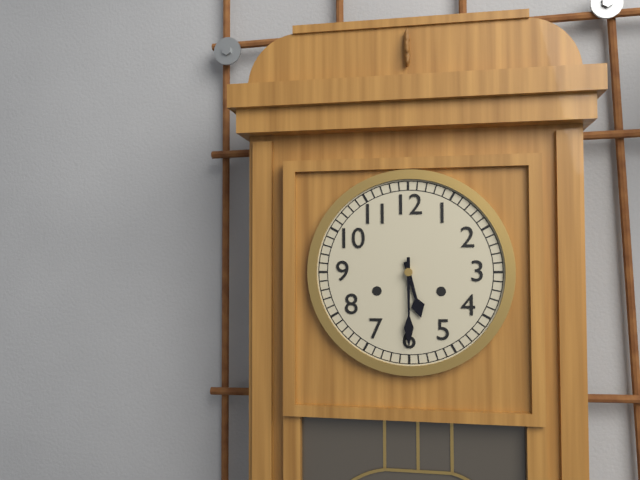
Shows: 5:30
